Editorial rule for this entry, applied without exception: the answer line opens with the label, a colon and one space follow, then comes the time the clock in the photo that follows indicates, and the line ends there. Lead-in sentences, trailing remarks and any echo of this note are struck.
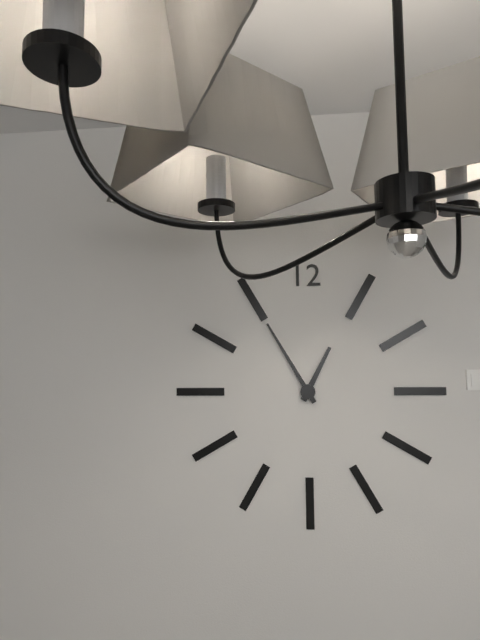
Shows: 12:55
